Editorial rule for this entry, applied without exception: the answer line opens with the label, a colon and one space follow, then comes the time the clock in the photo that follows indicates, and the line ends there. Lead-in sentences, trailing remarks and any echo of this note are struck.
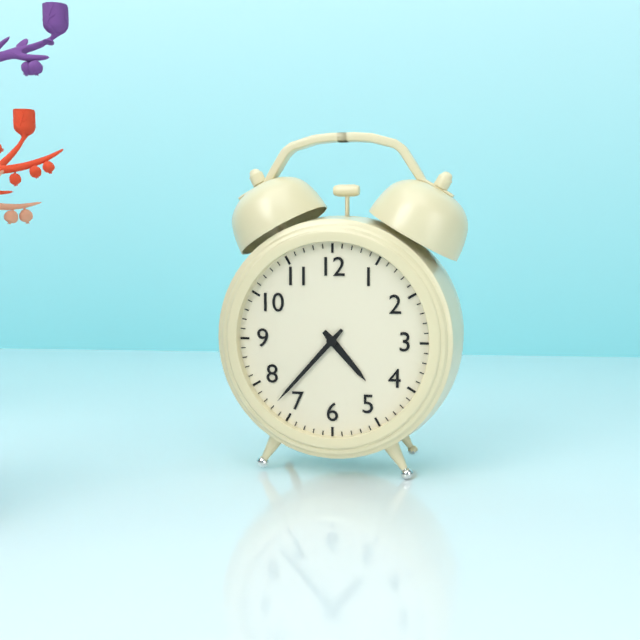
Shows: 4:37
